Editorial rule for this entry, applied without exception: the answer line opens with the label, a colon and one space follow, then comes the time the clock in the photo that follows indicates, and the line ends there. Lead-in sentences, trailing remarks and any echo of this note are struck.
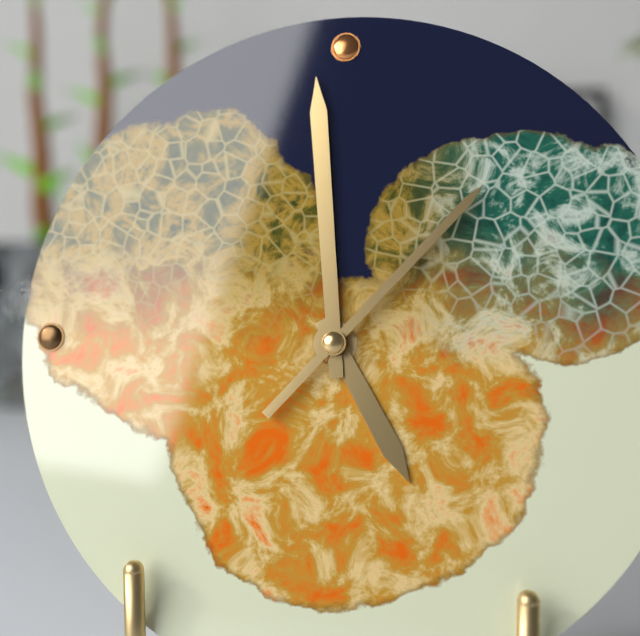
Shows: 4:59:07
